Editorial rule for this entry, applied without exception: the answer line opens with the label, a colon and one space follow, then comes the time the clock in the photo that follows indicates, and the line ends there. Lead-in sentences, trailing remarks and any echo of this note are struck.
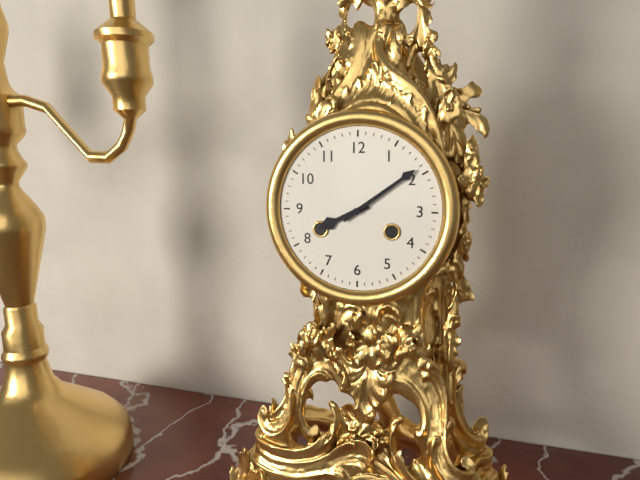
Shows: 8:09
